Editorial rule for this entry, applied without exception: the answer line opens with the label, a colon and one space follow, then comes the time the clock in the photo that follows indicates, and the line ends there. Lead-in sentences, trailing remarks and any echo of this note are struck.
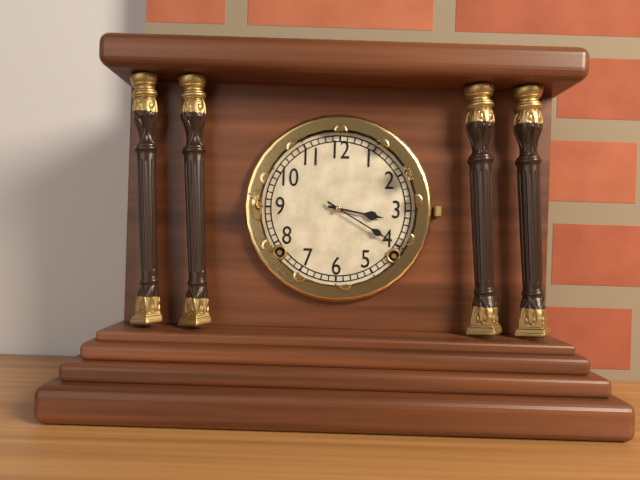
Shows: 3:20
